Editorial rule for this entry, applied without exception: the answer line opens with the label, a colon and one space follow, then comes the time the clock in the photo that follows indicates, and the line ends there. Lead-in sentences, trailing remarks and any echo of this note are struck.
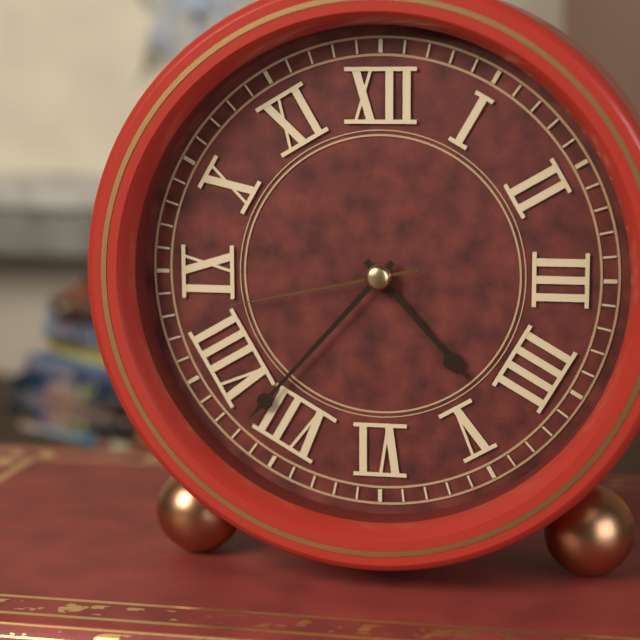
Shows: 4:37:43
